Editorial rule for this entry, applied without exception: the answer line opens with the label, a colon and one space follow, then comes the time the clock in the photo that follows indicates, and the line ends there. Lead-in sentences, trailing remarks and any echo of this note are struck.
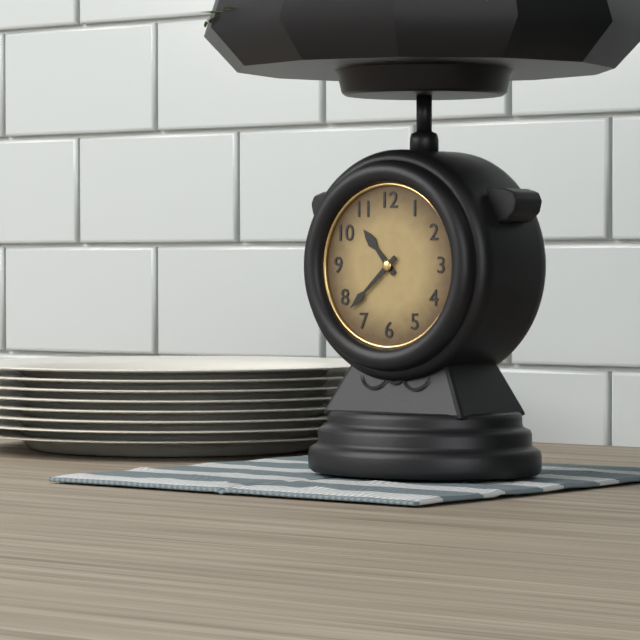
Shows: 10:38
